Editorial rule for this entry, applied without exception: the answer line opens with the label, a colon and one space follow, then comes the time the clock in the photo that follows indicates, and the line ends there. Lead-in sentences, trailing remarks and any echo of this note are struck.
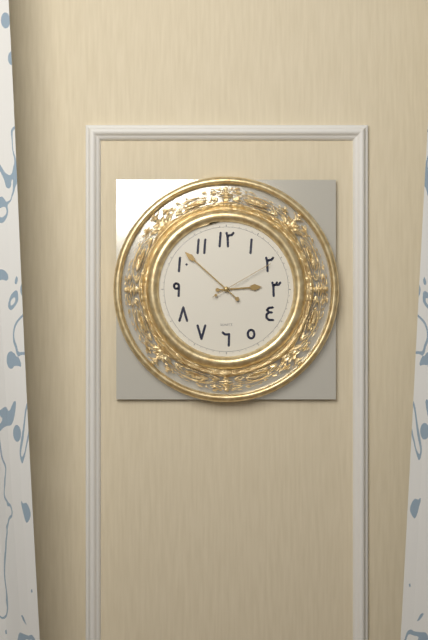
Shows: 2:52:10
